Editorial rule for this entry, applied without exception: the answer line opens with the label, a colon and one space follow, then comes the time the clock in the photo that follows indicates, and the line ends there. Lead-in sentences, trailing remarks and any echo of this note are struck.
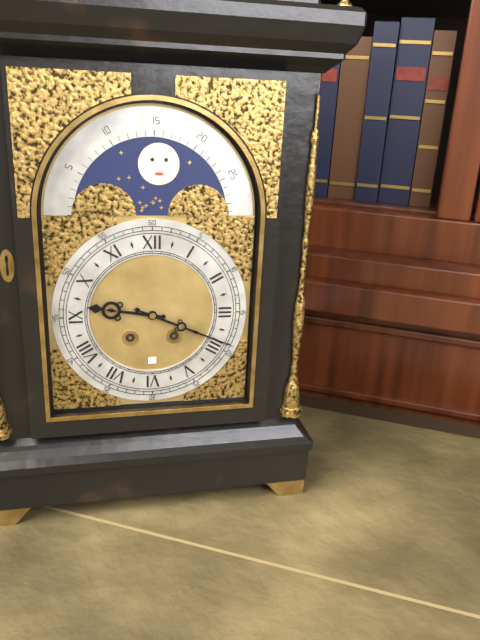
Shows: 9:19
